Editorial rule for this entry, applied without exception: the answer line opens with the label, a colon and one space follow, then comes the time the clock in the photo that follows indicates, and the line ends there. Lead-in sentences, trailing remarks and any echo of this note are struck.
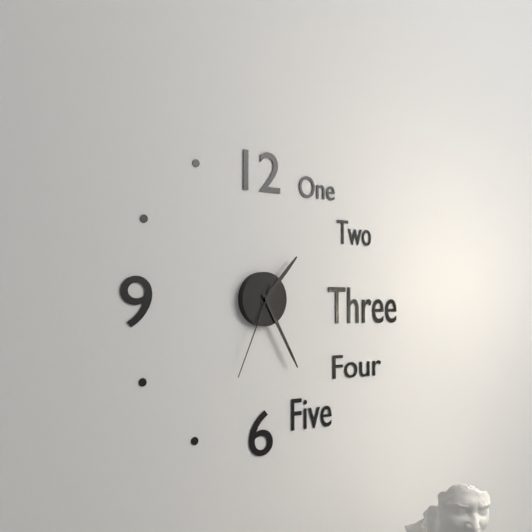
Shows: 1:25:34
